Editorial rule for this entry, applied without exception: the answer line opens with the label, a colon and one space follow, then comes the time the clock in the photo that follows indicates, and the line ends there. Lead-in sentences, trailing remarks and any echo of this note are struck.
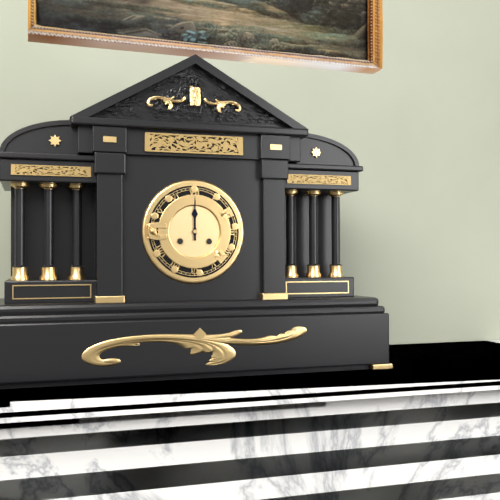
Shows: 12:00
